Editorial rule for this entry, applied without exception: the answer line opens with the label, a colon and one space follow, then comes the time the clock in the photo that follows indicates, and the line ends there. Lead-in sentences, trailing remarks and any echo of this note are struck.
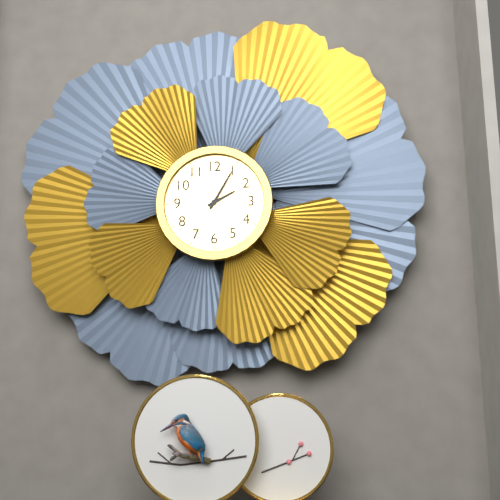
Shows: 2:05
